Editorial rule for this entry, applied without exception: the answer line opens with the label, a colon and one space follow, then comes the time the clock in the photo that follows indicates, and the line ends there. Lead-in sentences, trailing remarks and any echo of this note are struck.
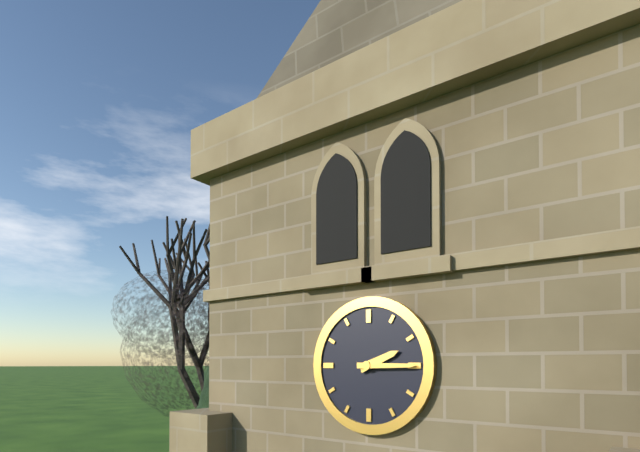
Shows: 2:15
